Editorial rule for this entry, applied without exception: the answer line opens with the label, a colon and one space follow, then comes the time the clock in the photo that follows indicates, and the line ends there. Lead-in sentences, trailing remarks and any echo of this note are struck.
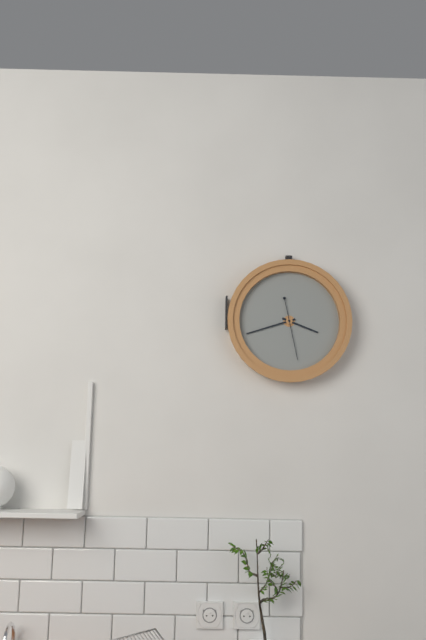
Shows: 3:42
